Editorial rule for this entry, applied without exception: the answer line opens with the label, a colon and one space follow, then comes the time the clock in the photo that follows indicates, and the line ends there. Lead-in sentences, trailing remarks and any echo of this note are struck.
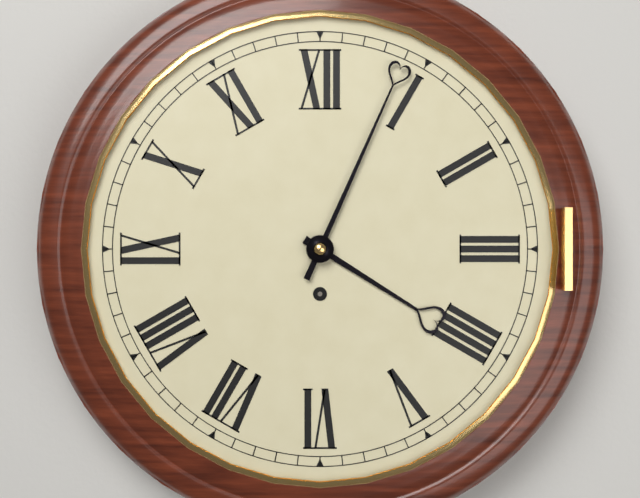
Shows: 4:04
